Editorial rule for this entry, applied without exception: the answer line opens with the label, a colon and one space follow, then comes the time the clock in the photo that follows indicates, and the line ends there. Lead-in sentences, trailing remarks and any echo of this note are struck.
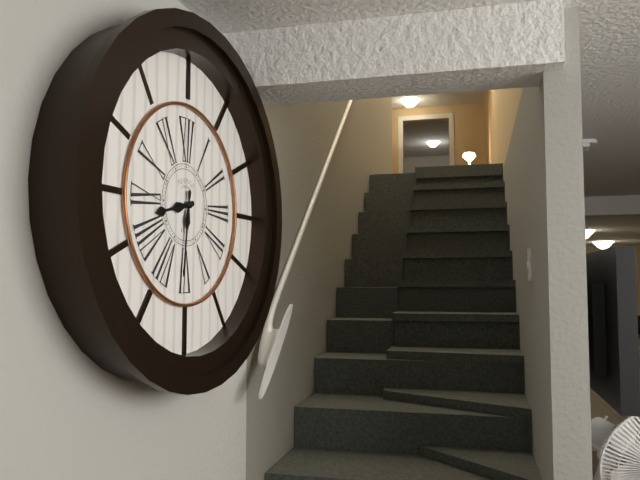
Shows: 8:31
